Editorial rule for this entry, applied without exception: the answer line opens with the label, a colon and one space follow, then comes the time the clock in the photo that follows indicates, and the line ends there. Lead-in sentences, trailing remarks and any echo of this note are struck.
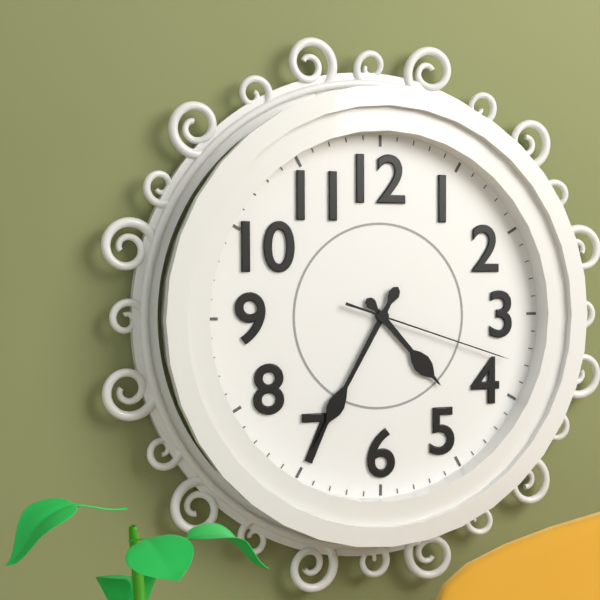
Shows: 4:35:18
